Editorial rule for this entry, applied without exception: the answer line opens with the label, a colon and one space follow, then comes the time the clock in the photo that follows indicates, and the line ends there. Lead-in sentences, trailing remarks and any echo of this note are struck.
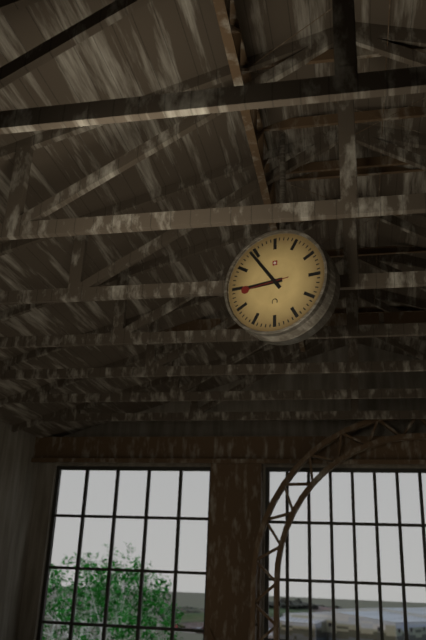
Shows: 8:54
